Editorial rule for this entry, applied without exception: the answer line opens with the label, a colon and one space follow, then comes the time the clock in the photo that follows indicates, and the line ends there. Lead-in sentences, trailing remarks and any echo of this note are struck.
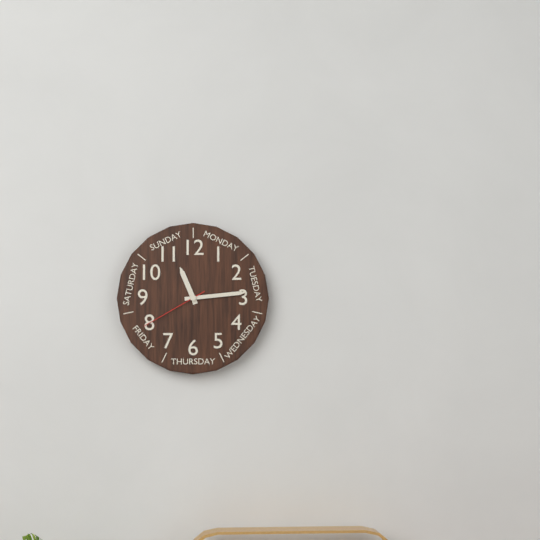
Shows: 11:14:40
